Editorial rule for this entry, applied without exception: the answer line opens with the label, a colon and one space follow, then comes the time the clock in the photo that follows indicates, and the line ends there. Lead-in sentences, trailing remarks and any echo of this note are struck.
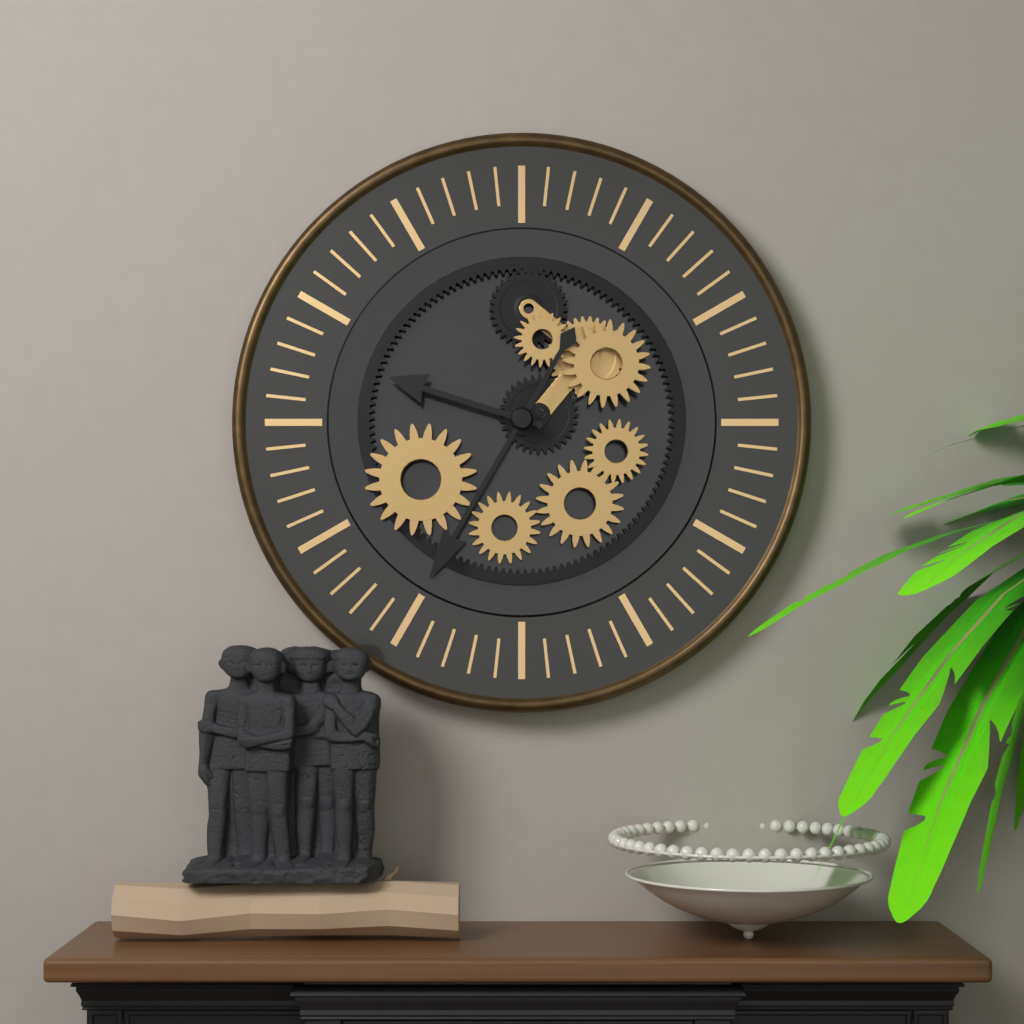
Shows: 9:35
